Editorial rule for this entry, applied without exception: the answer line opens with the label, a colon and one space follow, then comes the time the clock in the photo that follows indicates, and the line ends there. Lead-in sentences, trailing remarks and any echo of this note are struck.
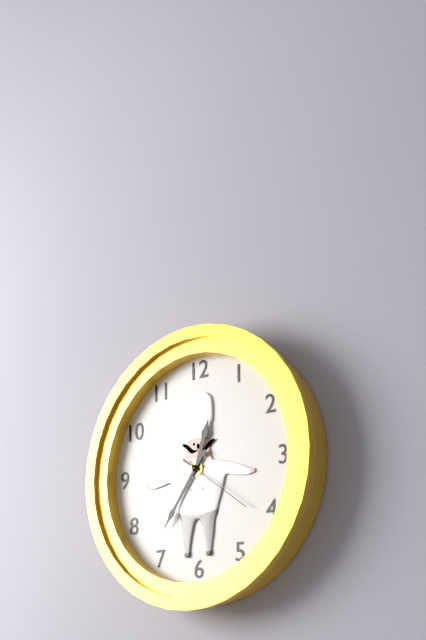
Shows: 12:36:21
